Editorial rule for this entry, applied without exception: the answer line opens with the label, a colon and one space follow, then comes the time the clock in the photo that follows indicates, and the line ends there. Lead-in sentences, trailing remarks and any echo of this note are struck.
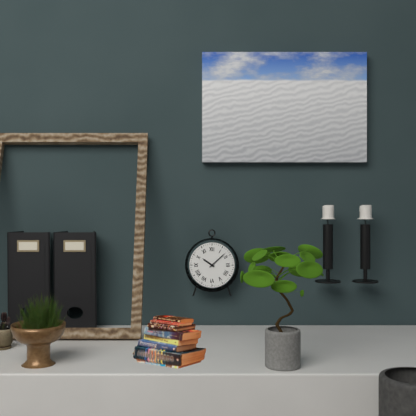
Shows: 10:08
